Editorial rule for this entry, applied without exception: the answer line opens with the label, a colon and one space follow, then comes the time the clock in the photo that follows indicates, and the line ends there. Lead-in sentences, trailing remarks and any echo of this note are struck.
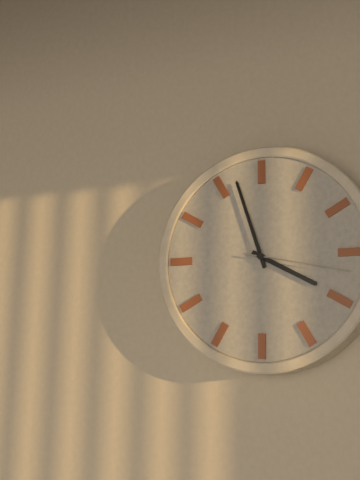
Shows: 3:57:17
